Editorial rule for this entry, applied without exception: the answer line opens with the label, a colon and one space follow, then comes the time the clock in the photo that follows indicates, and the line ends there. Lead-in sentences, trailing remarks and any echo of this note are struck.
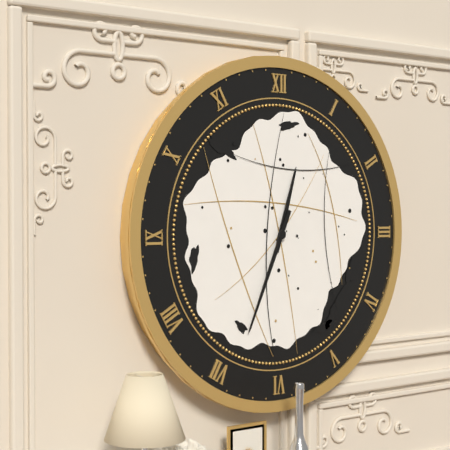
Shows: 12:34
